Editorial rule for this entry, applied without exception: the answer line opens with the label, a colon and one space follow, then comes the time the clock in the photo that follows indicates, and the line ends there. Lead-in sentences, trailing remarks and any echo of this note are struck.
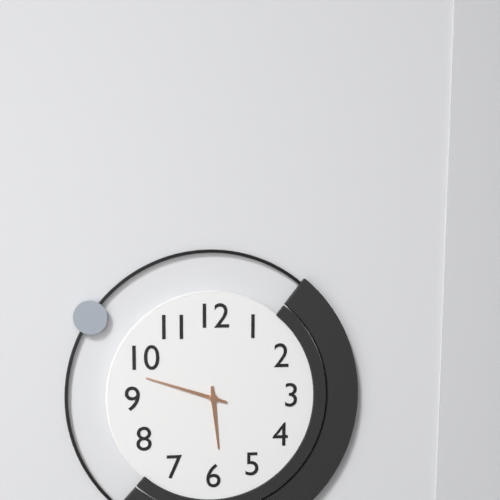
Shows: 5:48
